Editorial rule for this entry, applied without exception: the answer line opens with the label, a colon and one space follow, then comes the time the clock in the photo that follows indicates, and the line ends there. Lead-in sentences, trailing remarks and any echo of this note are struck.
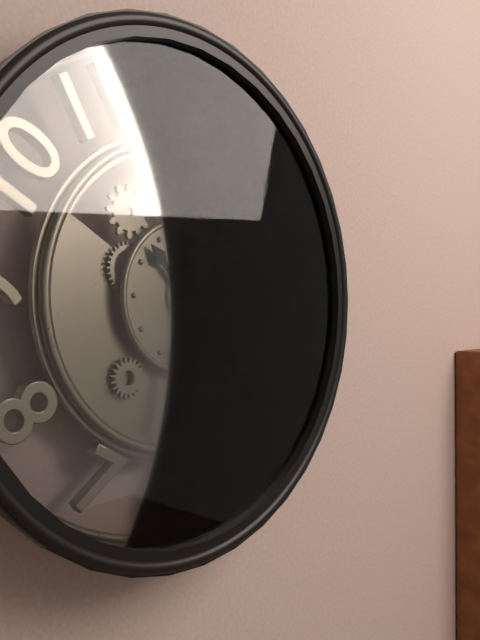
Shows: 10:32:58
